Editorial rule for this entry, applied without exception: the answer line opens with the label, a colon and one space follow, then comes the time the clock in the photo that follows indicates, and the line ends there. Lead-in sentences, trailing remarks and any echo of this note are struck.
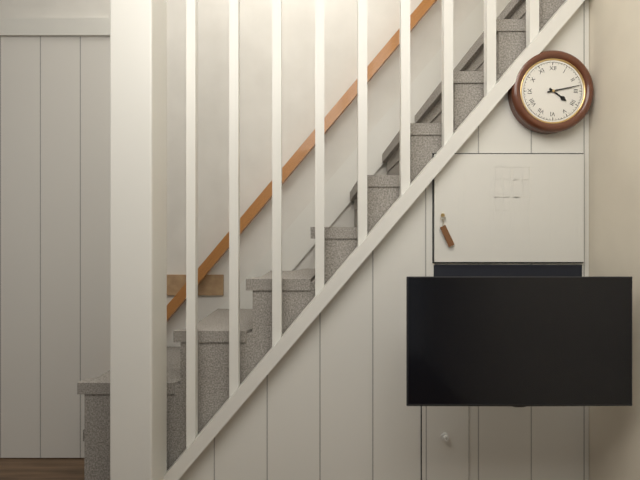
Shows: 4:13
